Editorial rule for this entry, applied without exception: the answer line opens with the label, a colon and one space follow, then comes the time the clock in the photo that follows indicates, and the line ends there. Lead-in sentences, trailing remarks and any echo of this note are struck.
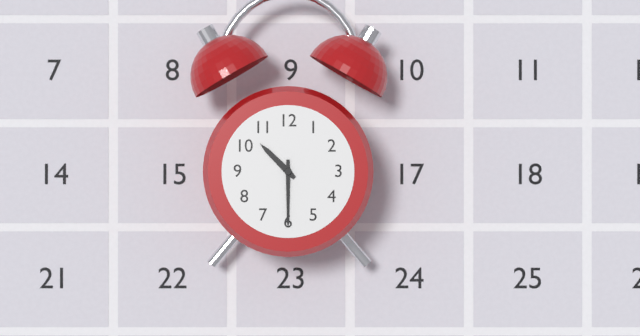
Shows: 10:30
